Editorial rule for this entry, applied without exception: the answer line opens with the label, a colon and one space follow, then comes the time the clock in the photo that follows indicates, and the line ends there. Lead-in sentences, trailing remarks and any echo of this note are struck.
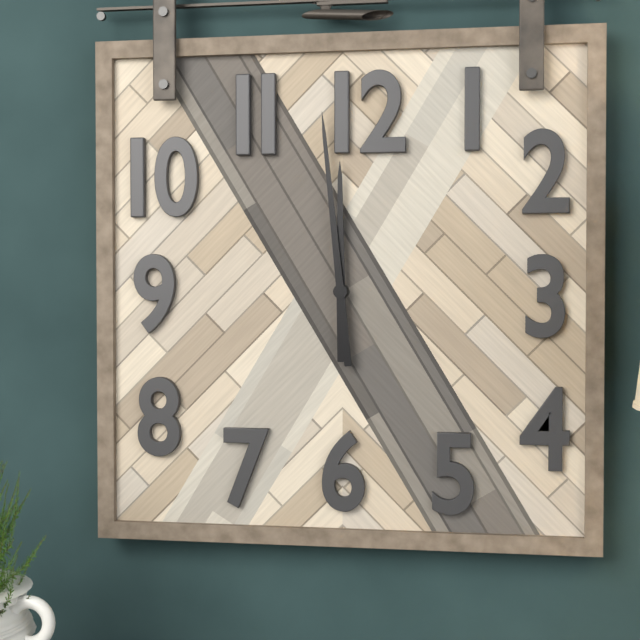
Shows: 11:59
